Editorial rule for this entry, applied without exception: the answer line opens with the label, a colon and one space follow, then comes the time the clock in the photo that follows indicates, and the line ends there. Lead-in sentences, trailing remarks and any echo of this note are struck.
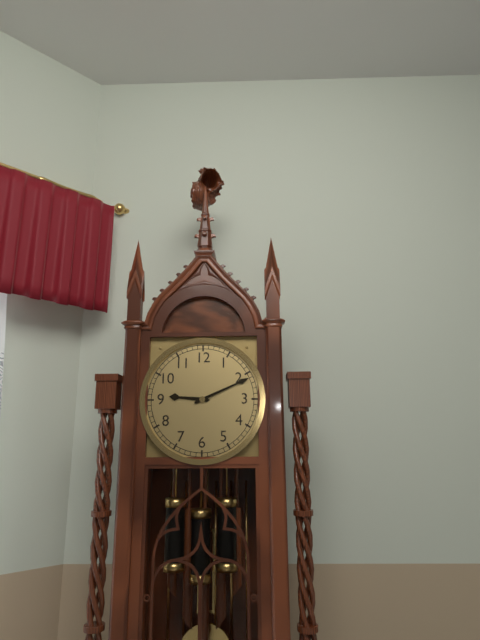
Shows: 9:11
